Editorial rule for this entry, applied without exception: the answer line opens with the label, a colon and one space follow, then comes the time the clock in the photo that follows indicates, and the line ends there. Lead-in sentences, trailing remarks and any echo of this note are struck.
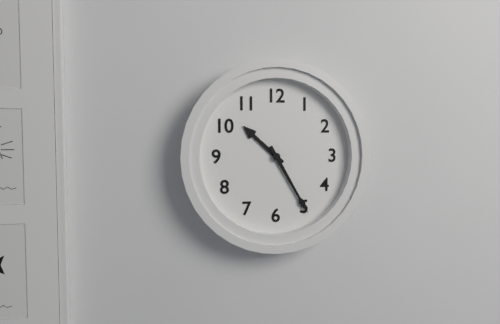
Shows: 10:25
